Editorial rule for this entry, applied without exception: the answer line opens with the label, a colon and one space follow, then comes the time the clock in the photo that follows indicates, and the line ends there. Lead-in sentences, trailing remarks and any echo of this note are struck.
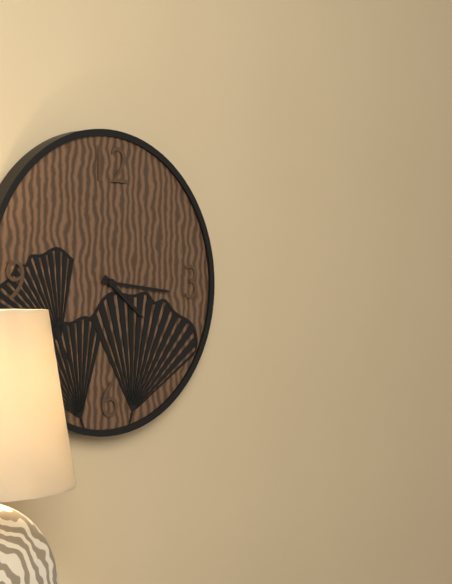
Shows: 4:16
